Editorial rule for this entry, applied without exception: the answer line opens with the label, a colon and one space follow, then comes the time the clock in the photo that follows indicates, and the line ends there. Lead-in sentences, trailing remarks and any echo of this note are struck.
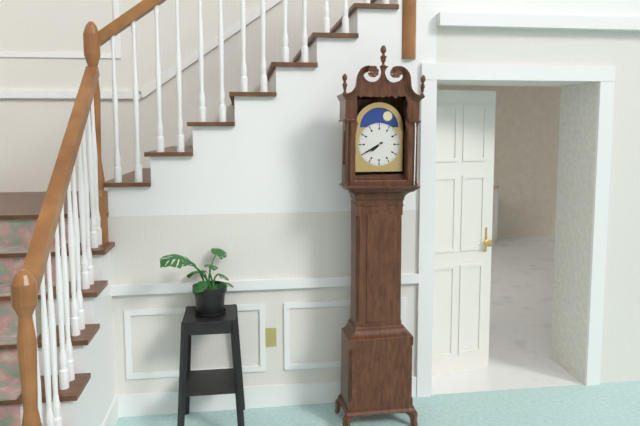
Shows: 7:40
